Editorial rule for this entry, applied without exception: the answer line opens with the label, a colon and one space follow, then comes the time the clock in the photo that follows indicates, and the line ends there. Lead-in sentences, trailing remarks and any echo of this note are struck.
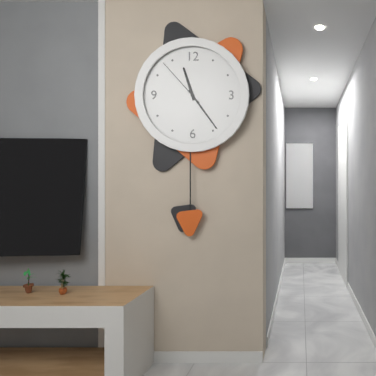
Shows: 11:24:53
